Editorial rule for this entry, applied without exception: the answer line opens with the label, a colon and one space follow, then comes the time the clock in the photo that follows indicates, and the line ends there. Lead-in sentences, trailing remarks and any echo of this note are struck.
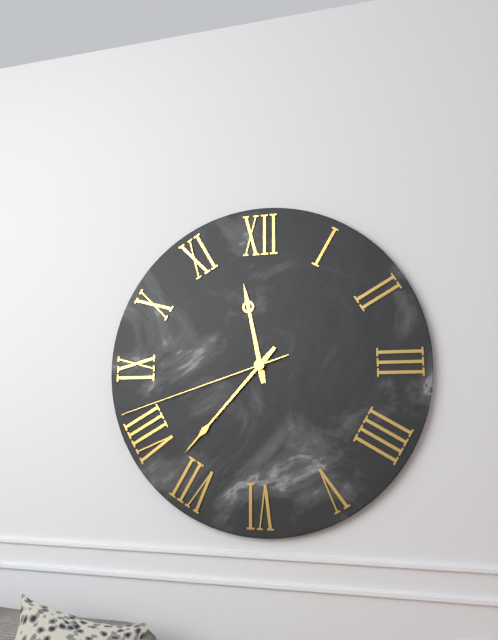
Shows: 11:37:42
